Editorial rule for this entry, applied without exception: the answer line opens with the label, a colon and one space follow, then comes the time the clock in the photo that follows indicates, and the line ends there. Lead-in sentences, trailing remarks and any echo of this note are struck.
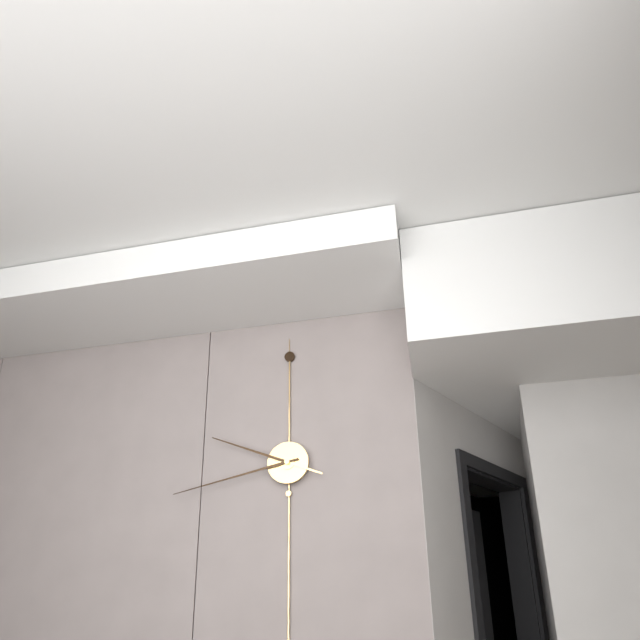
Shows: 9:43
